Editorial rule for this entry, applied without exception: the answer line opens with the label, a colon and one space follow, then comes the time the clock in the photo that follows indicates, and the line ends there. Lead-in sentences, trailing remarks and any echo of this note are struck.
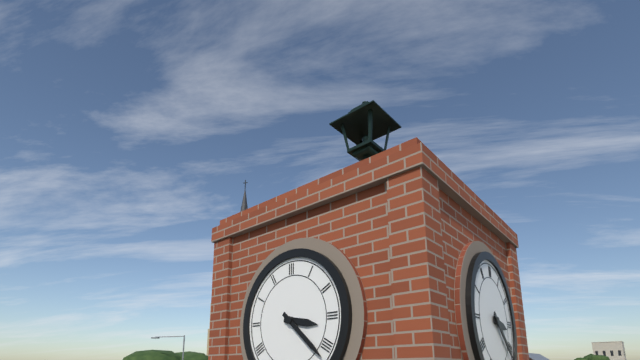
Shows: 3:22
